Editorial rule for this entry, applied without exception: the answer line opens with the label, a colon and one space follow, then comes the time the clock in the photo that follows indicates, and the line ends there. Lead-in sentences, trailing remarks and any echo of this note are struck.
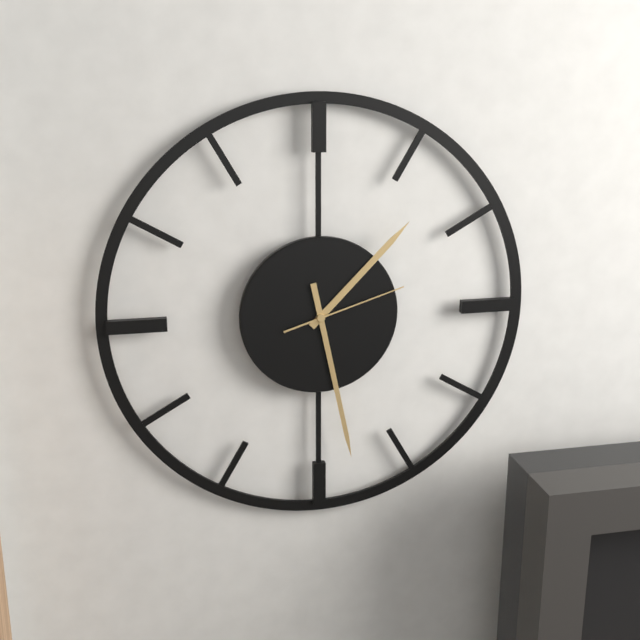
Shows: 1:28:12
